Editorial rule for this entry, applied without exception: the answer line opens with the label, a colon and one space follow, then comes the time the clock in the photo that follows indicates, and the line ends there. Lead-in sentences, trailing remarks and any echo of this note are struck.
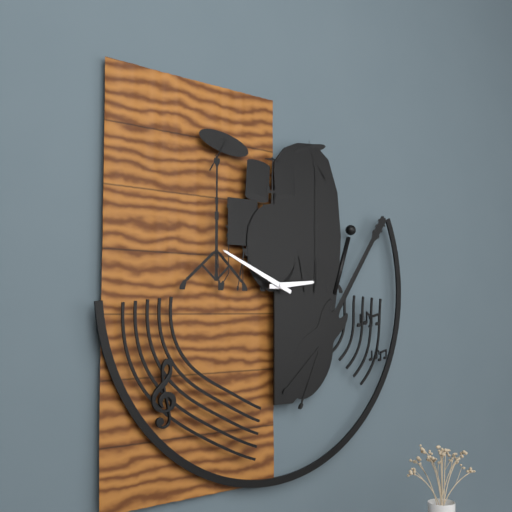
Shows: 2:49
